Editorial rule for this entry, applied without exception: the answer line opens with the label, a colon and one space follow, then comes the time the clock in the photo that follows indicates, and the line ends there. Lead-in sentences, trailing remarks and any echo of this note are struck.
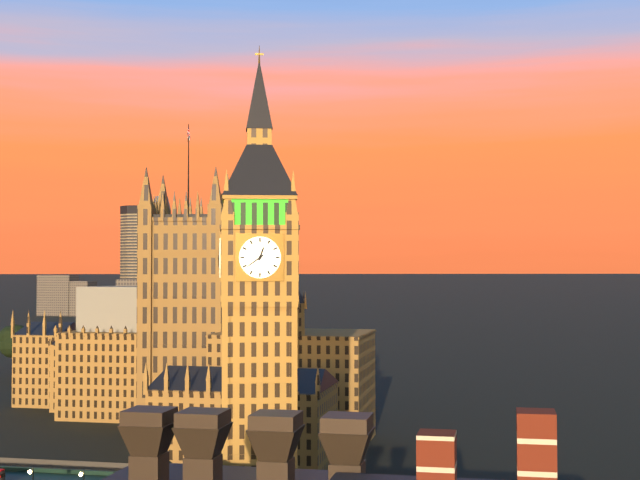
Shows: 12:39
